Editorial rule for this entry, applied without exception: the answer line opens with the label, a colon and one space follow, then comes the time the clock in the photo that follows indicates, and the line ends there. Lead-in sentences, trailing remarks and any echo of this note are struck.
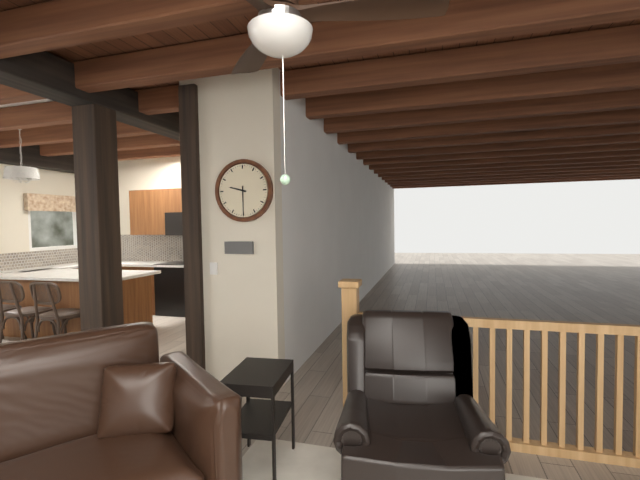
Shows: 9:30
